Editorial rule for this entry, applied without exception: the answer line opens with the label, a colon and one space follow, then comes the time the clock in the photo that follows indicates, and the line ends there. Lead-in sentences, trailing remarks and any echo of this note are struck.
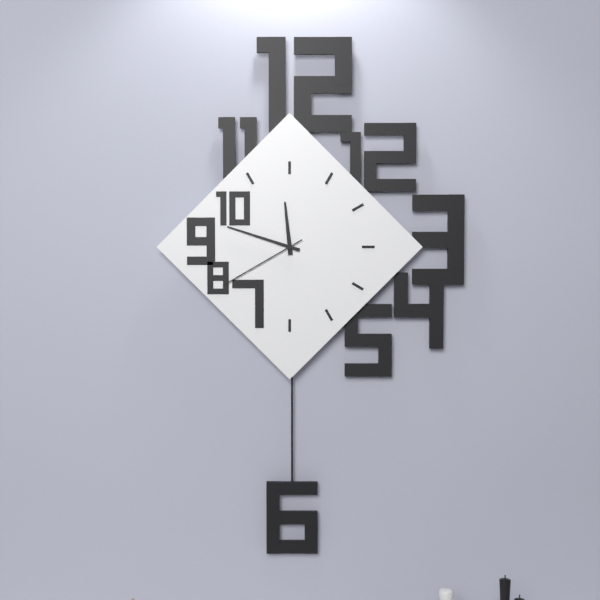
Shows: 11:48:40
